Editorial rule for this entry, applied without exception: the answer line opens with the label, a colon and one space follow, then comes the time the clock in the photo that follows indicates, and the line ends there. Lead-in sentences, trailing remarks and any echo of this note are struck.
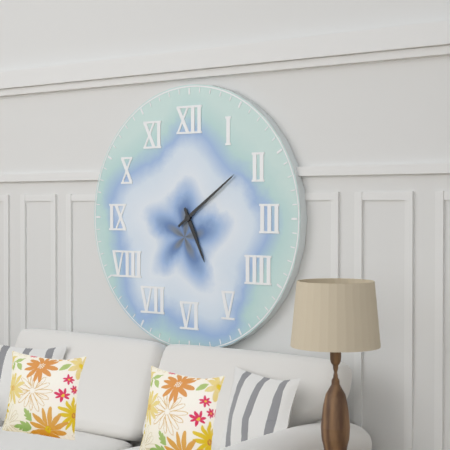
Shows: 5:09
